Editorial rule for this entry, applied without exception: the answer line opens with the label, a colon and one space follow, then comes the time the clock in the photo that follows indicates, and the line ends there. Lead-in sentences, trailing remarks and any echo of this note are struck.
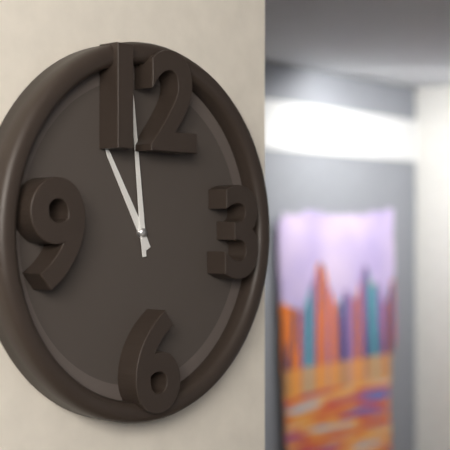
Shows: 10:59
